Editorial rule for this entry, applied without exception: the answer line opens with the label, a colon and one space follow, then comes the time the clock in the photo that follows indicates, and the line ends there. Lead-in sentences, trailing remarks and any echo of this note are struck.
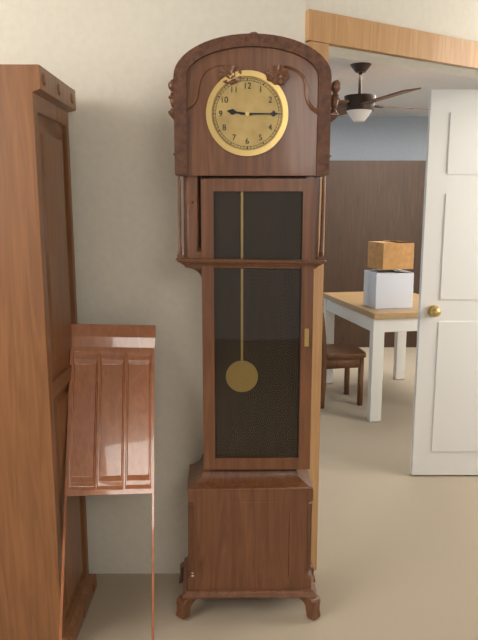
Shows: 9:15
